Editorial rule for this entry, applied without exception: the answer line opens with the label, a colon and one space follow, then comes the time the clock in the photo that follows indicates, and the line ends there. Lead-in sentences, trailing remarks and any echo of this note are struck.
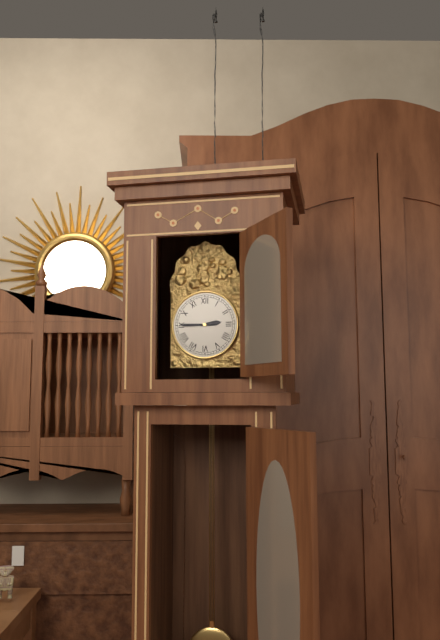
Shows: 2:45
